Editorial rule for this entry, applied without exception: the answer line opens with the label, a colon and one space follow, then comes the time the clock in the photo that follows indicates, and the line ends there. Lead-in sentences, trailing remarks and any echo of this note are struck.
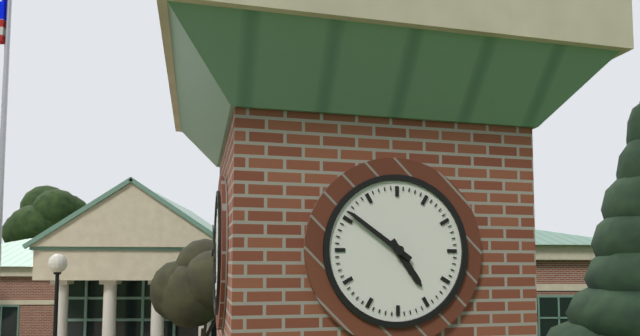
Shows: 4:51
